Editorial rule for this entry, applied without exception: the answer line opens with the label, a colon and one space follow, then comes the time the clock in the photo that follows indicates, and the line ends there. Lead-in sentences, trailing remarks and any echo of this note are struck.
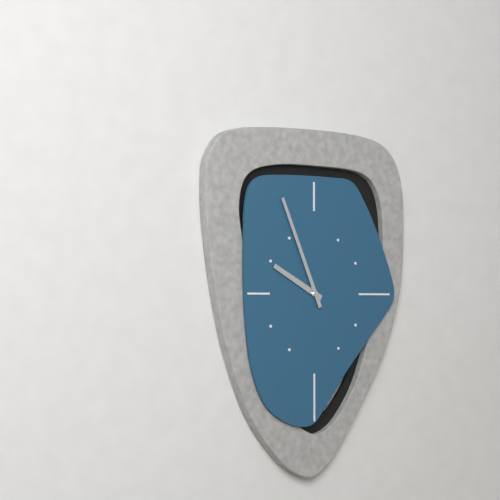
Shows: 9:56
